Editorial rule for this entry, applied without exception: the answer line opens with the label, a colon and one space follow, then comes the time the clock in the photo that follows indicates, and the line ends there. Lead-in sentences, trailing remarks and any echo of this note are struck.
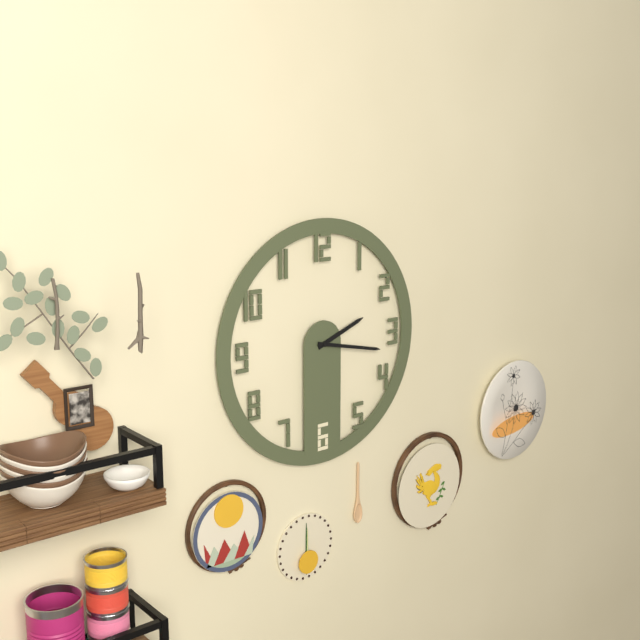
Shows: 2:17
